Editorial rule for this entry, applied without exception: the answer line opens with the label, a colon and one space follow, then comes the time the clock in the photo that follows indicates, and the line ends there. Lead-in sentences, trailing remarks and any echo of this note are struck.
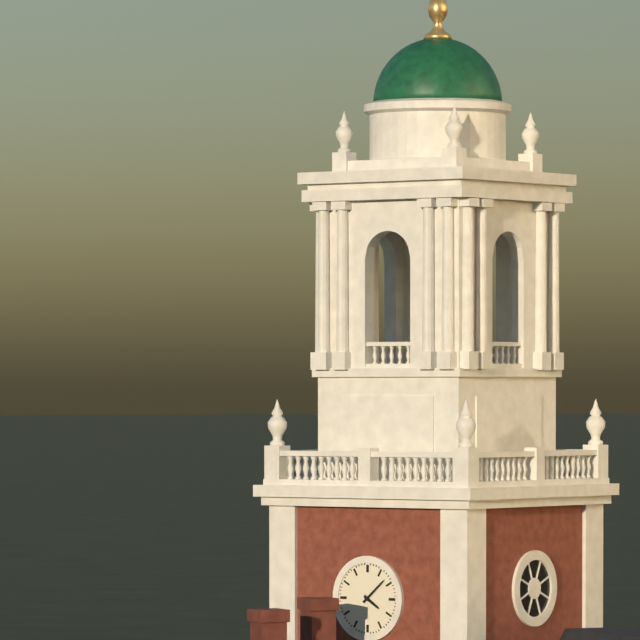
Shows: 4:08
